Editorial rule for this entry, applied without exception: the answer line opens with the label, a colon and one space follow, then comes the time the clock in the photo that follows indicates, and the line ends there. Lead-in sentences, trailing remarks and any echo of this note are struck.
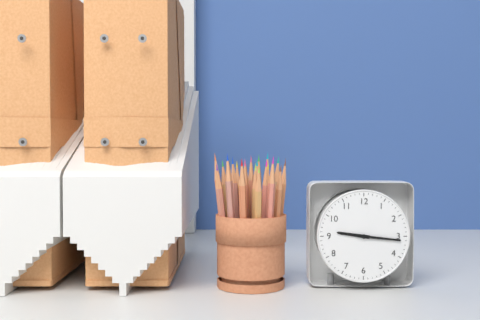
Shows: 9:16
